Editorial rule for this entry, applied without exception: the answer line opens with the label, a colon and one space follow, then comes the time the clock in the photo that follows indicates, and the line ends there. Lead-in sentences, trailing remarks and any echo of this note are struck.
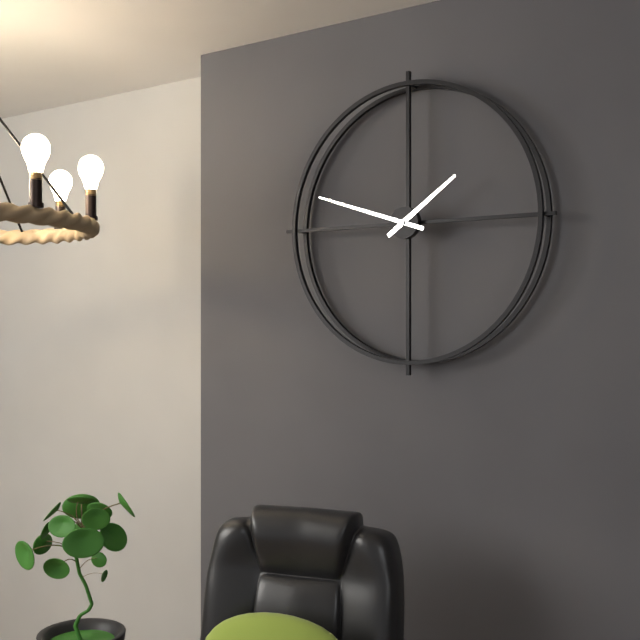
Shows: 1:48
